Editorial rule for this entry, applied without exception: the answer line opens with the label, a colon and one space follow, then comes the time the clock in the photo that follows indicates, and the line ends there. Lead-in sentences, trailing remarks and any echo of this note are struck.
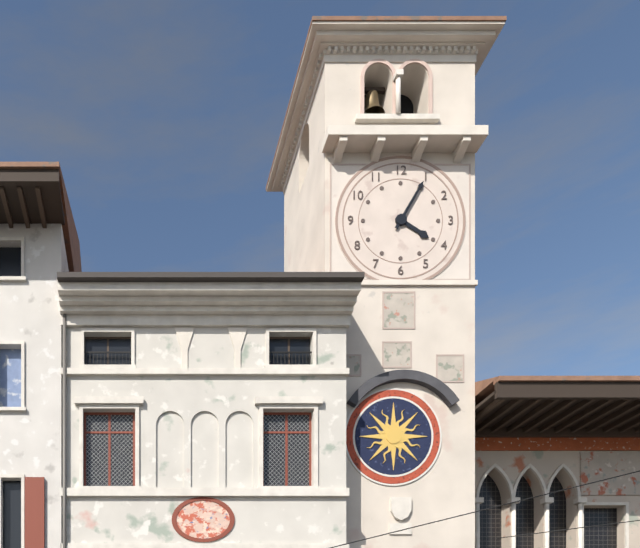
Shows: 4:05
